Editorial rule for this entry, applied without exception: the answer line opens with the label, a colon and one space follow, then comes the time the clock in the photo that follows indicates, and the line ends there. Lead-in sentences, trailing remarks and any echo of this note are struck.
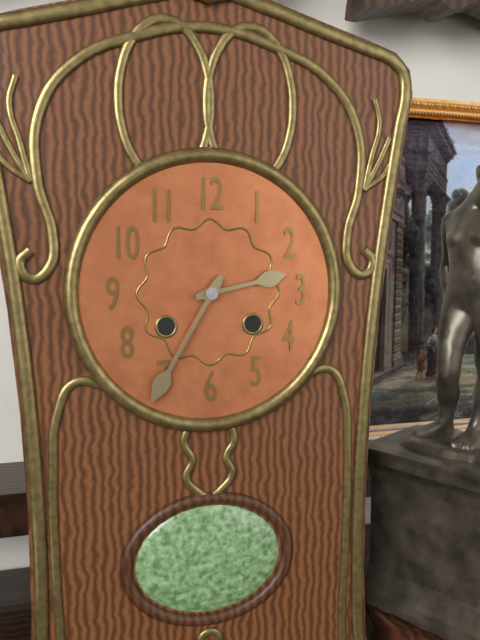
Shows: 2:35
